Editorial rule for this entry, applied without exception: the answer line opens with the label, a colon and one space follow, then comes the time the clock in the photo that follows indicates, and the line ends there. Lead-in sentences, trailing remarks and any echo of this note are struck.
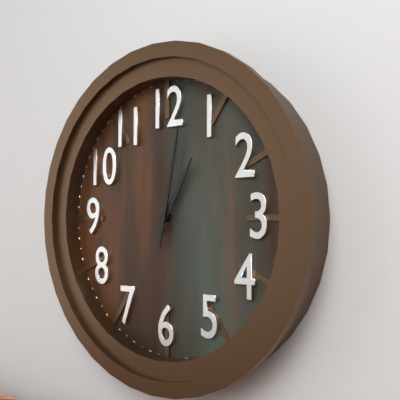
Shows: 1:02
